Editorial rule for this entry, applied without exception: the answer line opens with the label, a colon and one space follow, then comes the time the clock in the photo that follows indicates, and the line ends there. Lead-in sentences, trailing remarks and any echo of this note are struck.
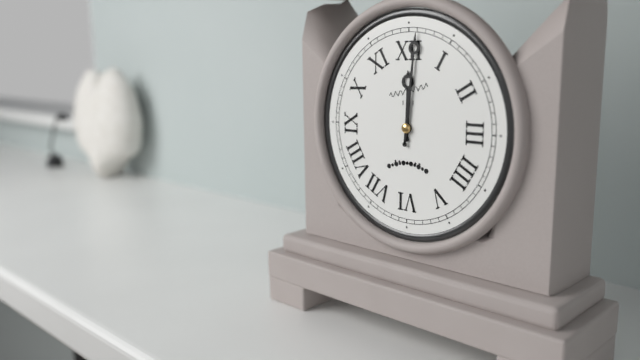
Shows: 12:01
